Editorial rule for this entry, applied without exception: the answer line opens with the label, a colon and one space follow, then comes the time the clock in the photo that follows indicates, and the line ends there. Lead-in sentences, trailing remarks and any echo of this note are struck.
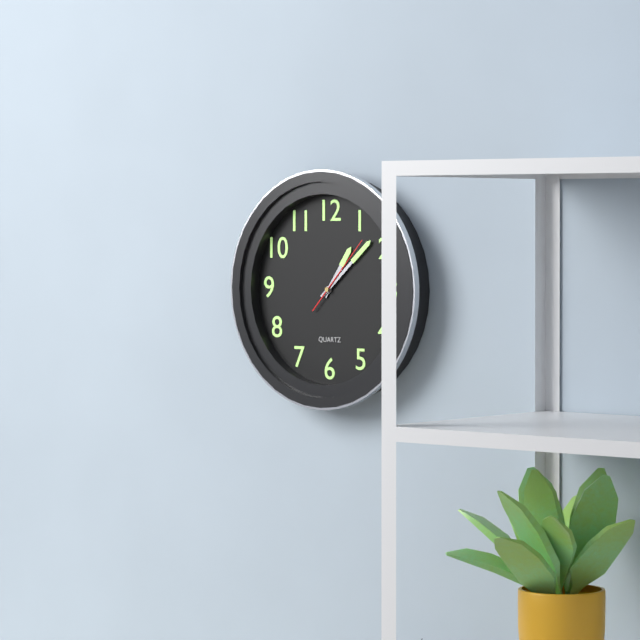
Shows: 1:08:07
